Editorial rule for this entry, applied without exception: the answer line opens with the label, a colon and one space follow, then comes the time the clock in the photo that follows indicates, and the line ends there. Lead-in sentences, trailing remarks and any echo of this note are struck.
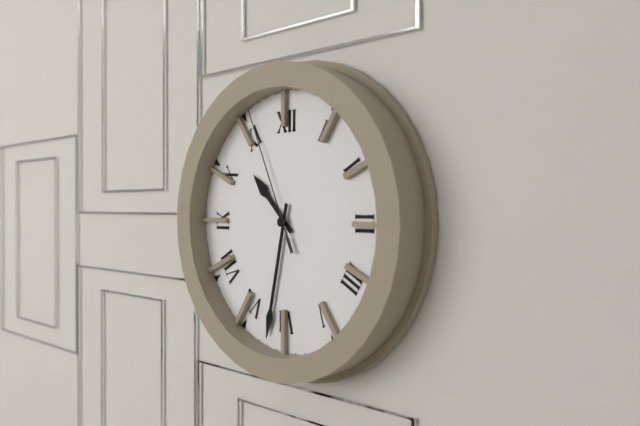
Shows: 10:32:56
